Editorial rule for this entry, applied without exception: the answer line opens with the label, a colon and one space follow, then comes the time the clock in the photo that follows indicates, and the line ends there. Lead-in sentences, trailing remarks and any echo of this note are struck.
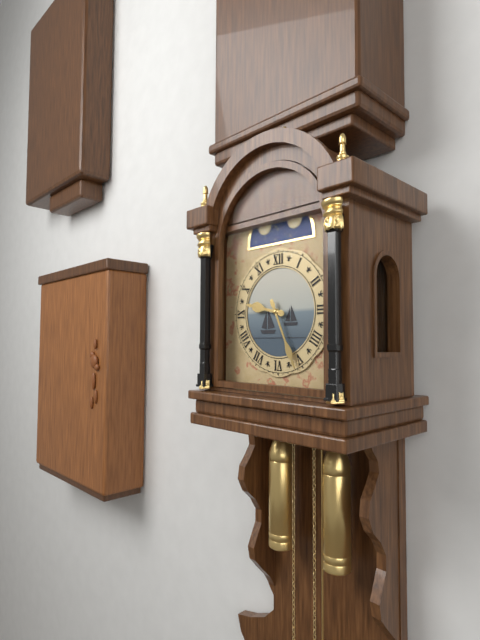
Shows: 9:26
